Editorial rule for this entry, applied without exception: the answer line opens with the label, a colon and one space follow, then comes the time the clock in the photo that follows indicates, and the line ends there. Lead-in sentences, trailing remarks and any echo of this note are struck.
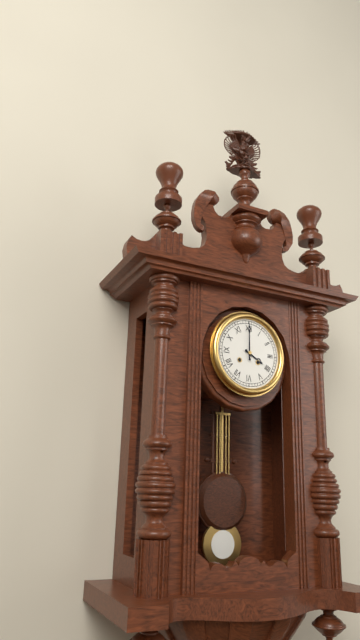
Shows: 4:00
